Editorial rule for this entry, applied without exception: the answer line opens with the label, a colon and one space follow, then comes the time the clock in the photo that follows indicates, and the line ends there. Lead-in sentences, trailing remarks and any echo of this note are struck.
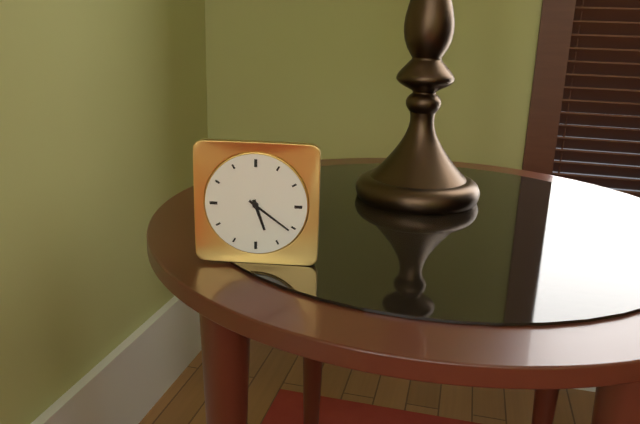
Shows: 5:21
